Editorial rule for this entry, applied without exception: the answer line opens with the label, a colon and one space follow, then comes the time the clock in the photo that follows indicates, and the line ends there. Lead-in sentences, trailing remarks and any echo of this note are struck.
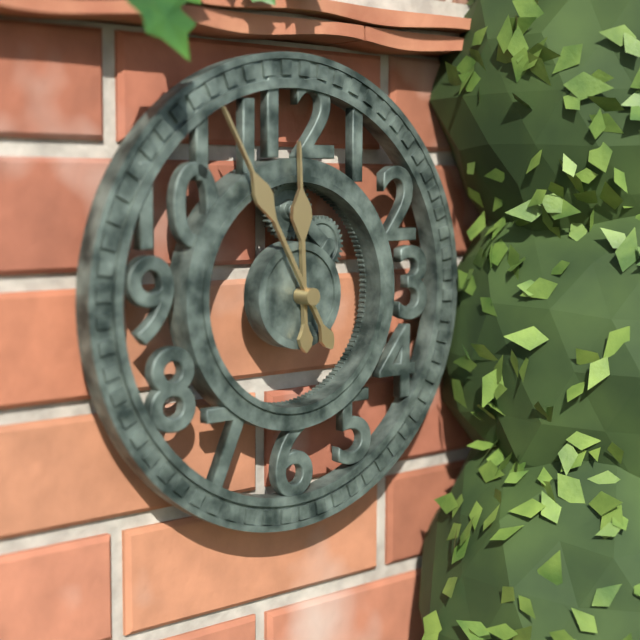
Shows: 11:55
